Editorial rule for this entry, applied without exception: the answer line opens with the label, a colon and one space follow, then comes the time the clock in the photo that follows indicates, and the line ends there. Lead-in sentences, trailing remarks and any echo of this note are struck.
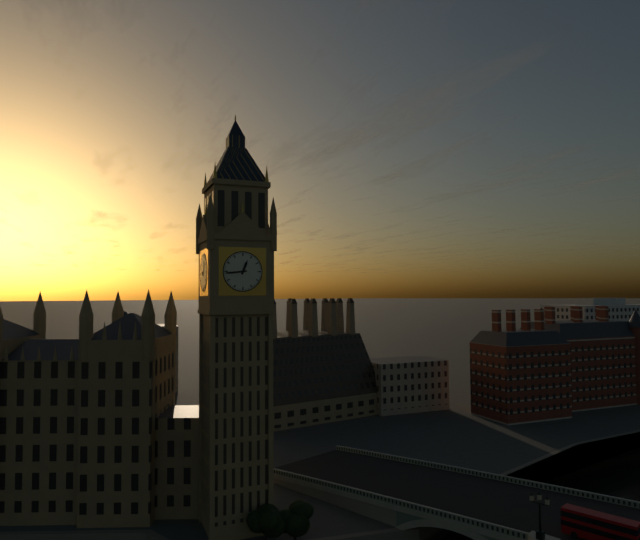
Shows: 12:44
